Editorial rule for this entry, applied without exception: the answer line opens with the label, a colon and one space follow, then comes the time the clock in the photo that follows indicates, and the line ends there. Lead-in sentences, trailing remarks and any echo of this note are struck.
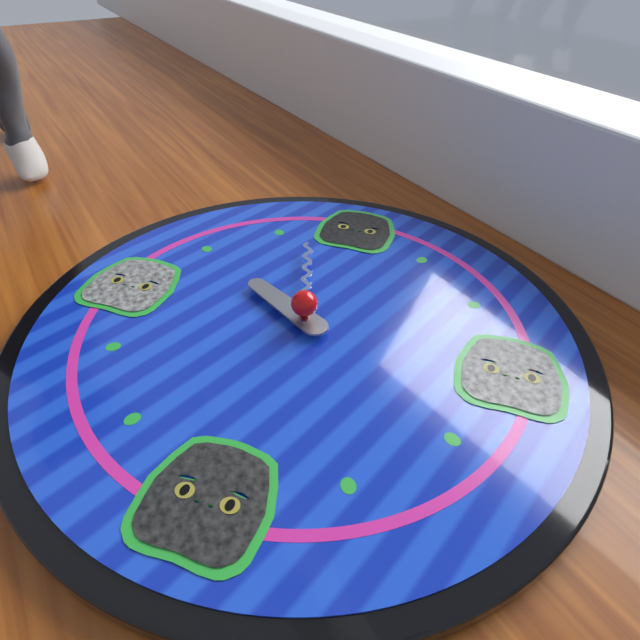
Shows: 9:57
